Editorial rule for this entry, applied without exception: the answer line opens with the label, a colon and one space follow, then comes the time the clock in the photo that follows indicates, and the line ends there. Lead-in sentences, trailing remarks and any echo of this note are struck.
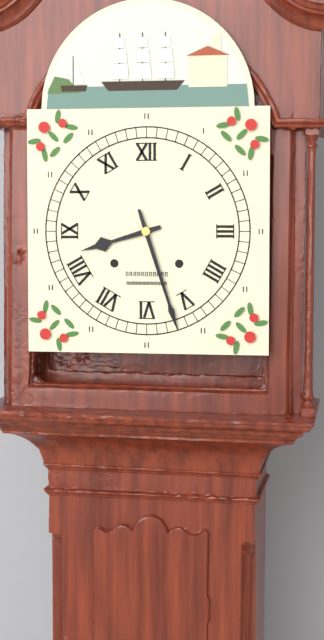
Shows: 8:27
